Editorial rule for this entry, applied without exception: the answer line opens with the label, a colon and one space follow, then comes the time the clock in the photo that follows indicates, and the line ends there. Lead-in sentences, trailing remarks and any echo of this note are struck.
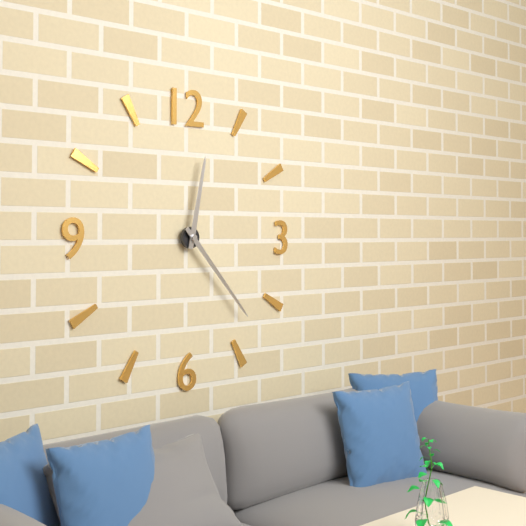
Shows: 12:23
